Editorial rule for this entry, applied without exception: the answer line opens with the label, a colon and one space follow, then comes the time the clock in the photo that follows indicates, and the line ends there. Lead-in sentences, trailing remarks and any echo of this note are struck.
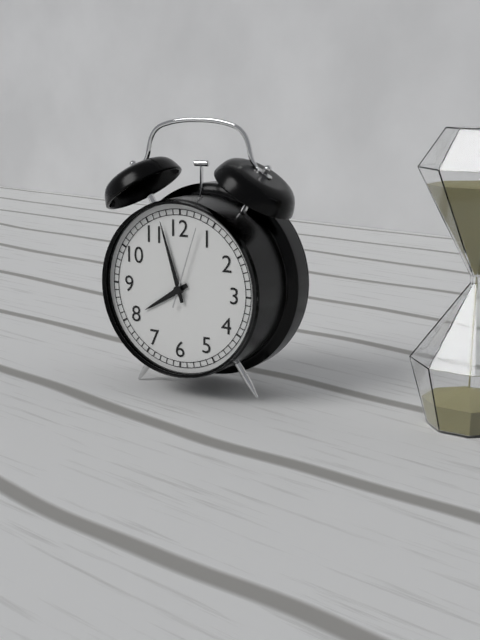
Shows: 7:57:03
